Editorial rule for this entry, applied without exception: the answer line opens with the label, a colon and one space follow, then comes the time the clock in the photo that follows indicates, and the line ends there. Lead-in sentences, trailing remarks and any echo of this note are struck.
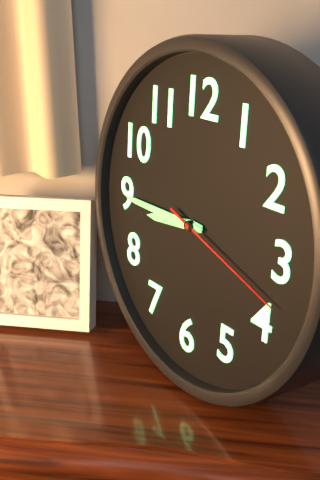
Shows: 8:45:18
